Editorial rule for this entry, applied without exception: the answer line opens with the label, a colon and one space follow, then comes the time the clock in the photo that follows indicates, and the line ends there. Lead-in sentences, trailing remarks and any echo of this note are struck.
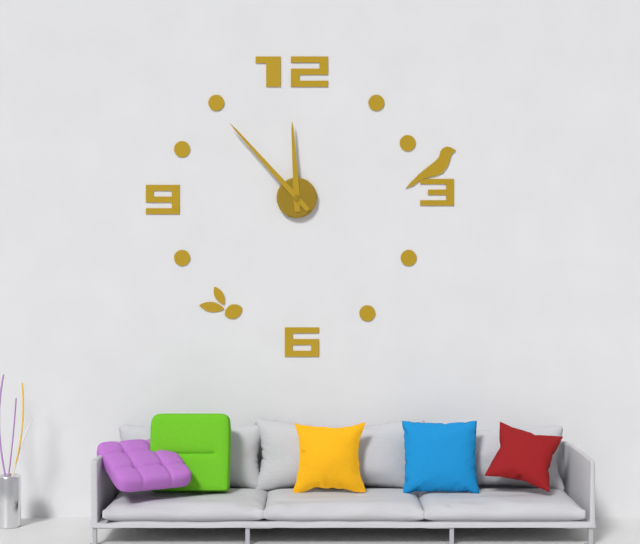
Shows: 11:53
